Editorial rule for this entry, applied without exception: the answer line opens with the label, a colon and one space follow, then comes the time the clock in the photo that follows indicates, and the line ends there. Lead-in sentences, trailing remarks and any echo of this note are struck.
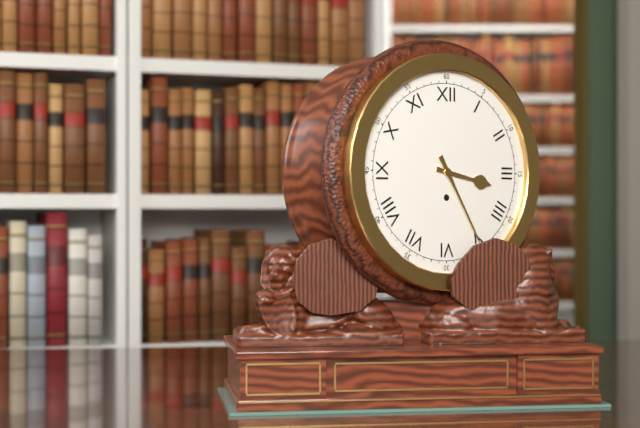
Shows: 3:25
